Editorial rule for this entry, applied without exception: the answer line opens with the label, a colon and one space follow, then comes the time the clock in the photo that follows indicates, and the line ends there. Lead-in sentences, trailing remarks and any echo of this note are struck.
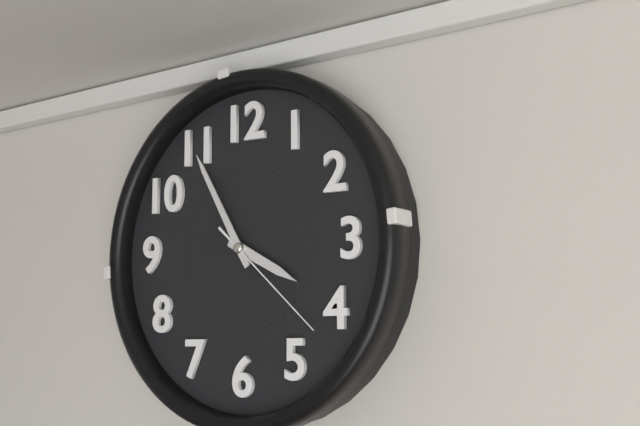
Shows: 3:55:22
